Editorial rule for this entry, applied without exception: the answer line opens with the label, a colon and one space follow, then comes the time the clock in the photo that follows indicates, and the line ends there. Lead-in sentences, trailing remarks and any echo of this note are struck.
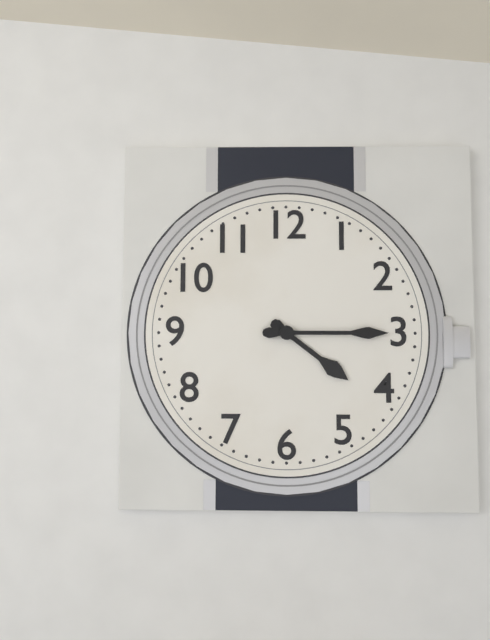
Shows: 4:15
